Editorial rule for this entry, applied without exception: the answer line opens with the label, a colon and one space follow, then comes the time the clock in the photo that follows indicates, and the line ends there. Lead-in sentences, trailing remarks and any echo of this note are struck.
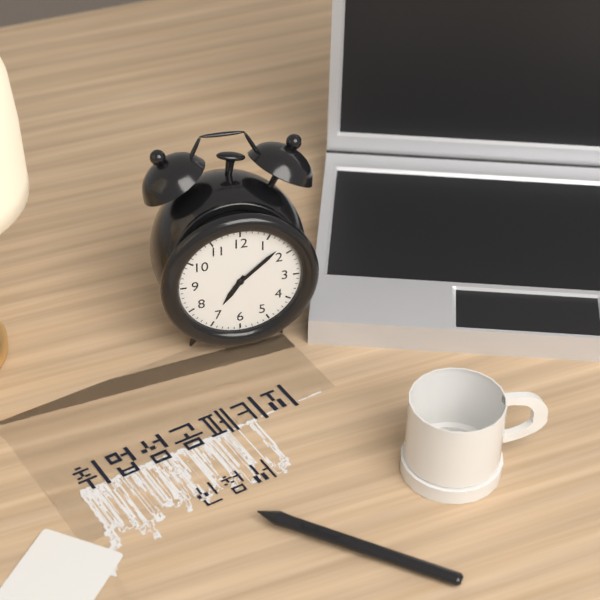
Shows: 7:08
